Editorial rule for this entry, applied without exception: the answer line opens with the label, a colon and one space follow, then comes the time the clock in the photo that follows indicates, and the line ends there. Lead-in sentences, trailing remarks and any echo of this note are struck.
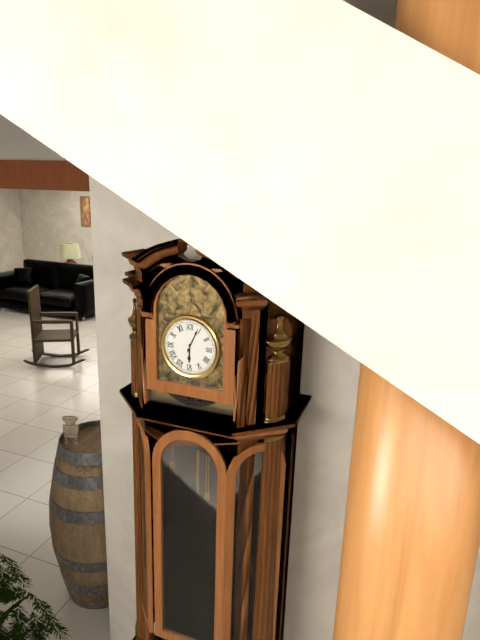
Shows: 6:04
